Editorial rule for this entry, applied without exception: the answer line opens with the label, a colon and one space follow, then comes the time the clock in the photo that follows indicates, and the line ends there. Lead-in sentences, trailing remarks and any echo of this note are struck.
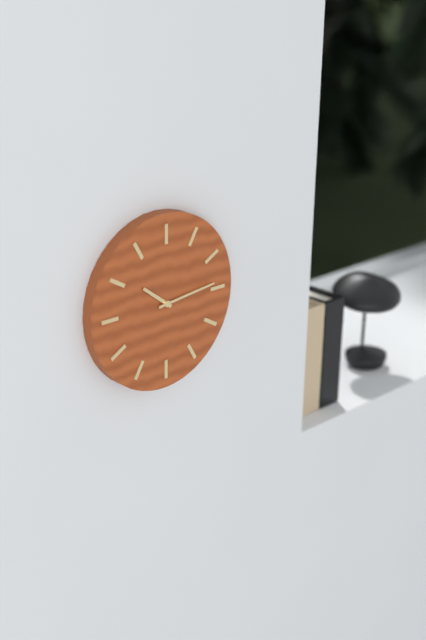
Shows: 10:14
